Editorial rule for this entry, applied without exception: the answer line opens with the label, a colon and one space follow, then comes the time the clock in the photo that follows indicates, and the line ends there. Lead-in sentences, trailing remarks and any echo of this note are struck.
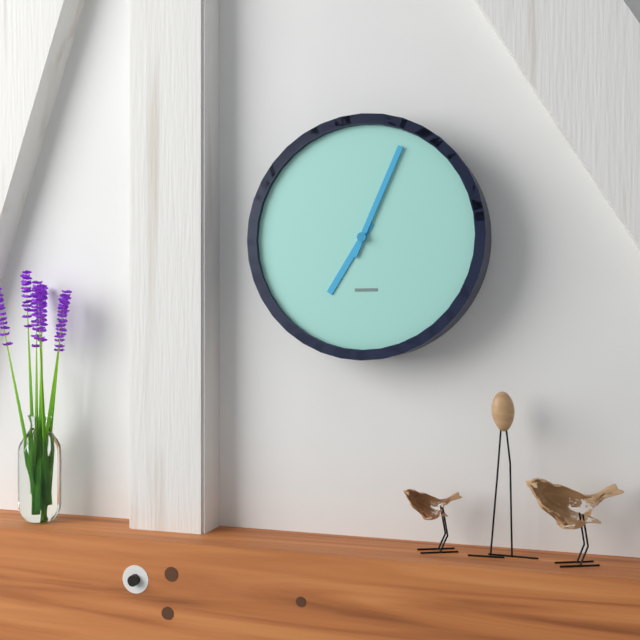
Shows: 7:04
